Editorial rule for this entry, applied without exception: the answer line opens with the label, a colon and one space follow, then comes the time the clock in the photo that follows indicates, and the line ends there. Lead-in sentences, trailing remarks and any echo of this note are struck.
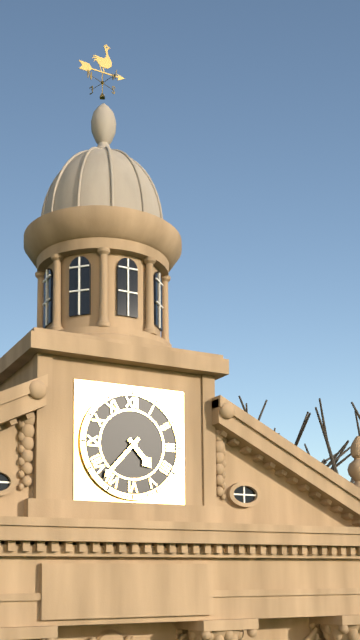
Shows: 4:37
